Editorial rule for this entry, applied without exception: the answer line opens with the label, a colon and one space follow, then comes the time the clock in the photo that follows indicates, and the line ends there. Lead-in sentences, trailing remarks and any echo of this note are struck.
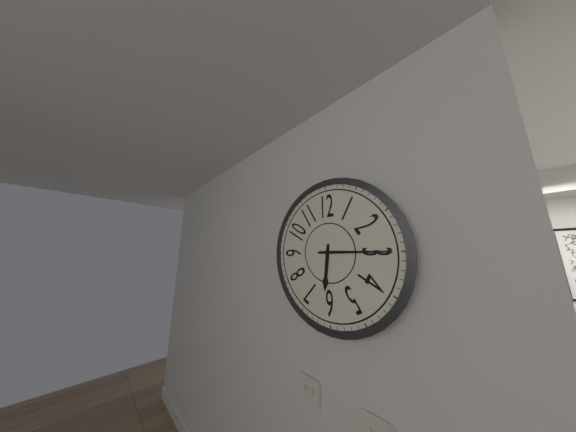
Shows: 6:15
